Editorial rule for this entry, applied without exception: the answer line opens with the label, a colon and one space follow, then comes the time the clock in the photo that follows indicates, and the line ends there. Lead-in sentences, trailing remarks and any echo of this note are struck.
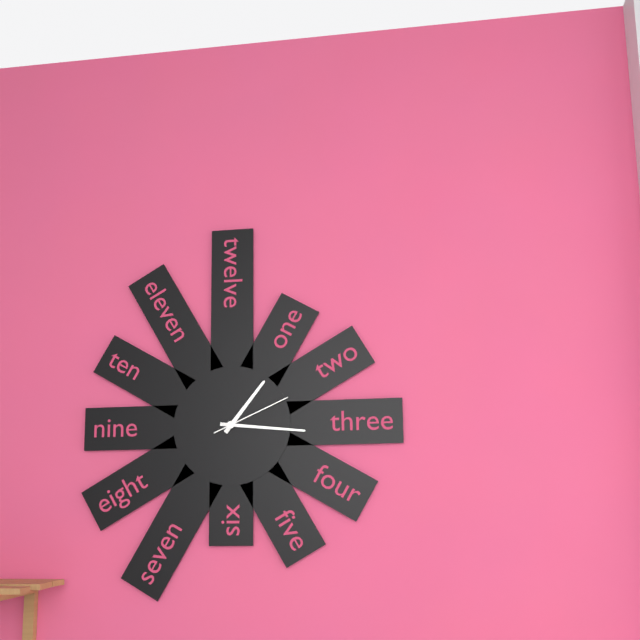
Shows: 1:16:11
